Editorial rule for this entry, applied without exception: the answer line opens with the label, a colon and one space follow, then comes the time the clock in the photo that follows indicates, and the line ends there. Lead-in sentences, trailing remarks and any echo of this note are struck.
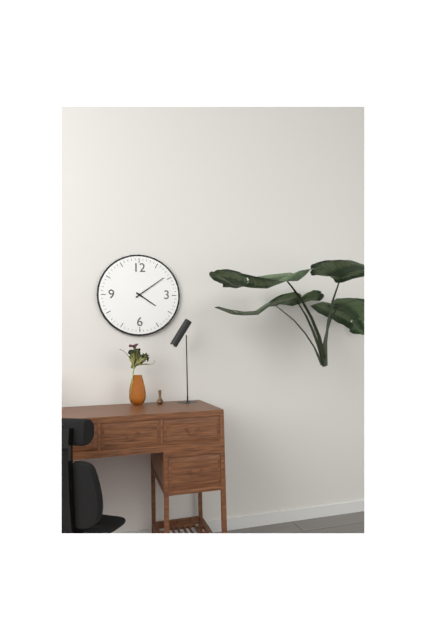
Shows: 4:09
